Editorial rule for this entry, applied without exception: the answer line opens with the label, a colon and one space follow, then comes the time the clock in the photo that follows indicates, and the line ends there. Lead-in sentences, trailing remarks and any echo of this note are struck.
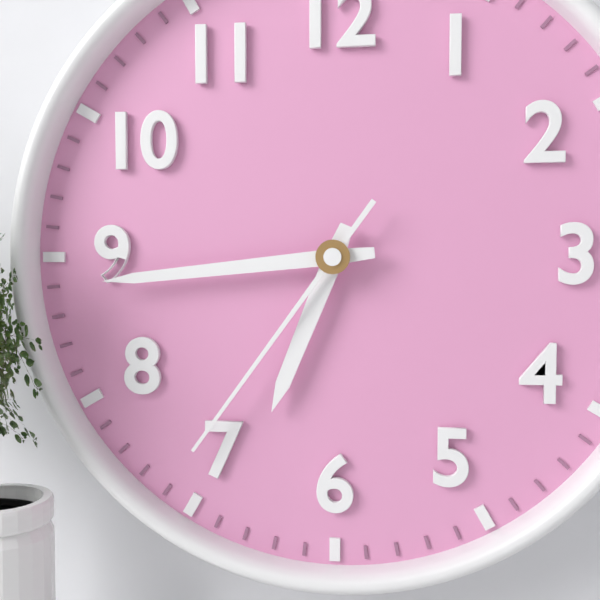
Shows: 6:44:36
